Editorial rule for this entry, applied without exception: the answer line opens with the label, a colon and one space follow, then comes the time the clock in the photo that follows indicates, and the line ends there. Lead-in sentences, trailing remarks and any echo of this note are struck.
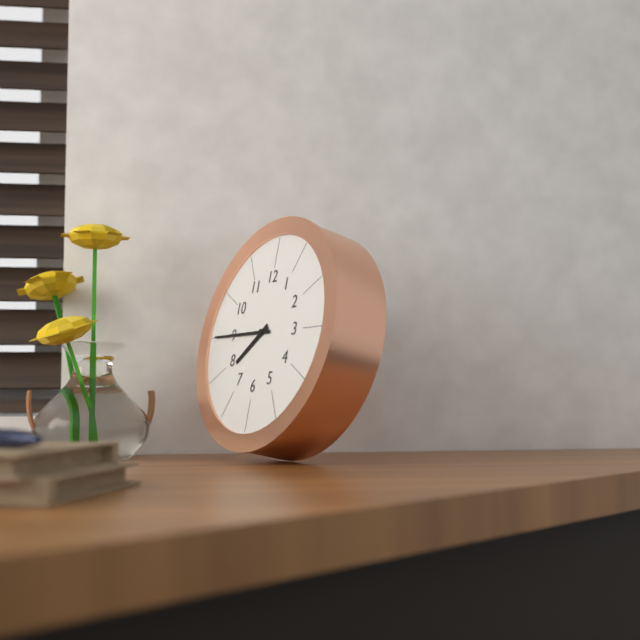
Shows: 7:45
